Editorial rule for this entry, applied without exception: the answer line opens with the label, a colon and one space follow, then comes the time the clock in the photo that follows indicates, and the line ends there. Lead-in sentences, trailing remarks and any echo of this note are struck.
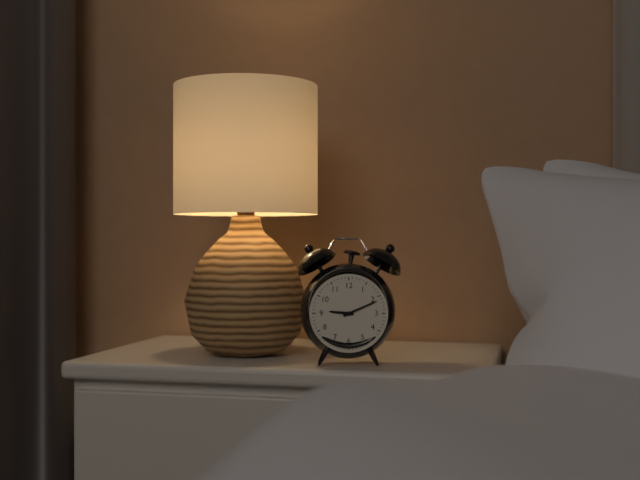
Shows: 9:11
